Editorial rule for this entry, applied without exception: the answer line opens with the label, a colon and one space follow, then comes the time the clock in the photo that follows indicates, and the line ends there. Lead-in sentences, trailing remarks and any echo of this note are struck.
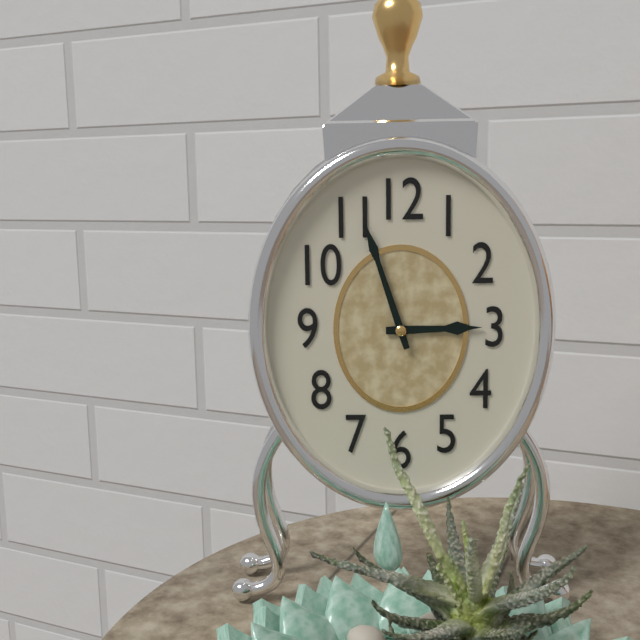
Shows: 2:57
